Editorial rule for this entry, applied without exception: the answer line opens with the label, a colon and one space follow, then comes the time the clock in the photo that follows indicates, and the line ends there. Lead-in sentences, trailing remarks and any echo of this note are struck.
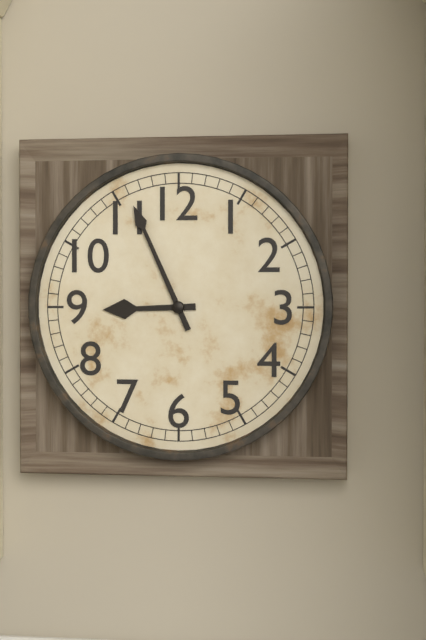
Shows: 8:56
